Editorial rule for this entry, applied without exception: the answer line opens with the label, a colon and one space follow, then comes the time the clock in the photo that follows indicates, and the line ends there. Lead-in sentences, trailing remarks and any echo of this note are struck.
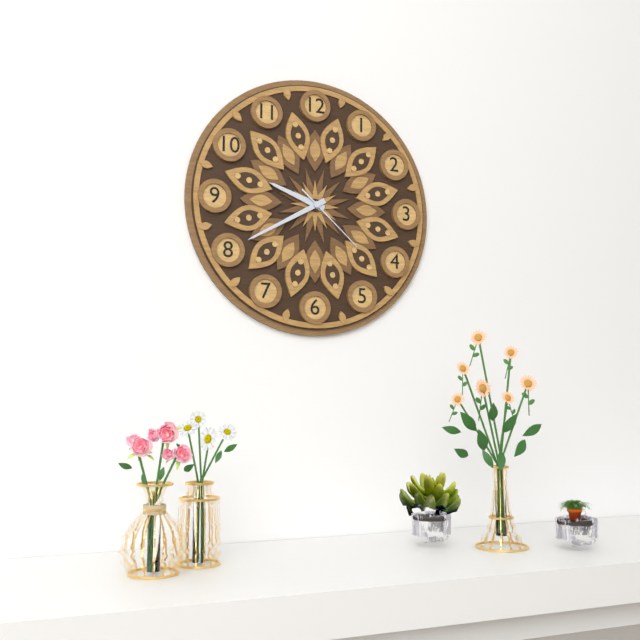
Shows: 9:40:22
